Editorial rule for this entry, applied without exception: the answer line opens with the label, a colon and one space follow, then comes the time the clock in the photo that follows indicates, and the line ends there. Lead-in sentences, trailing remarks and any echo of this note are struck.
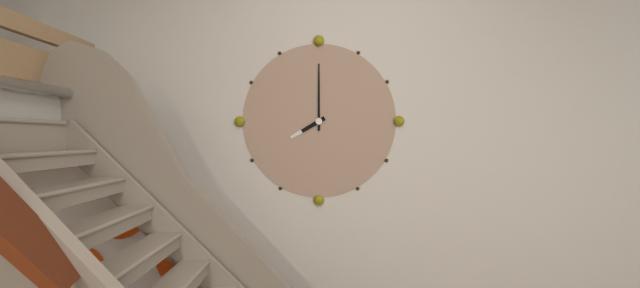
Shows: 8:00
